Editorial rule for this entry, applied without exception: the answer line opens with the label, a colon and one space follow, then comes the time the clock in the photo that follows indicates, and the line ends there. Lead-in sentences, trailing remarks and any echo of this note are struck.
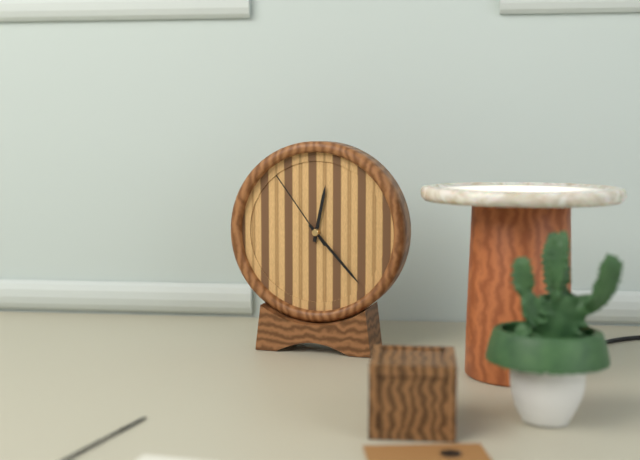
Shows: 12:23:54
